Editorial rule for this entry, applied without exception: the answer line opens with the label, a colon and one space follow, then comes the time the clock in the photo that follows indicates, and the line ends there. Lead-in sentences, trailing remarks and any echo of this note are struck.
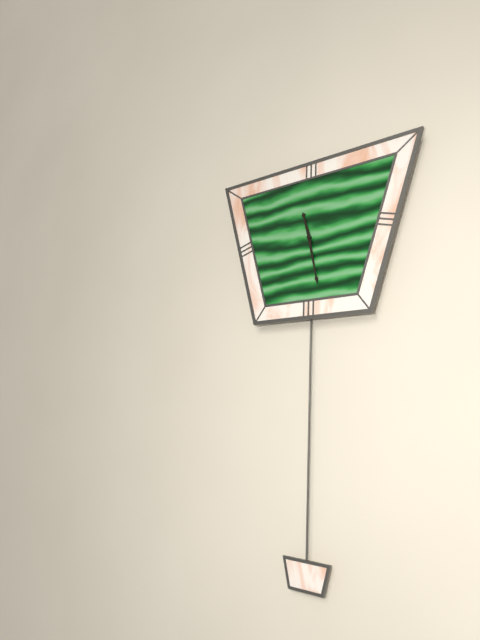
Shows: 11:28
